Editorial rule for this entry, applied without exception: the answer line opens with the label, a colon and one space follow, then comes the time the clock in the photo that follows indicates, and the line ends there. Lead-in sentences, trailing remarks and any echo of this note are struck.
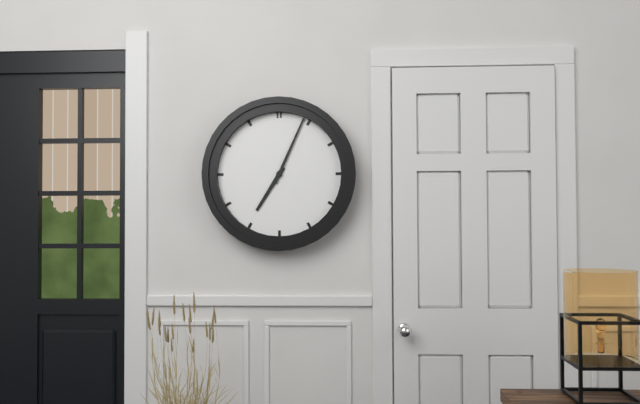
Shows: 7:04
